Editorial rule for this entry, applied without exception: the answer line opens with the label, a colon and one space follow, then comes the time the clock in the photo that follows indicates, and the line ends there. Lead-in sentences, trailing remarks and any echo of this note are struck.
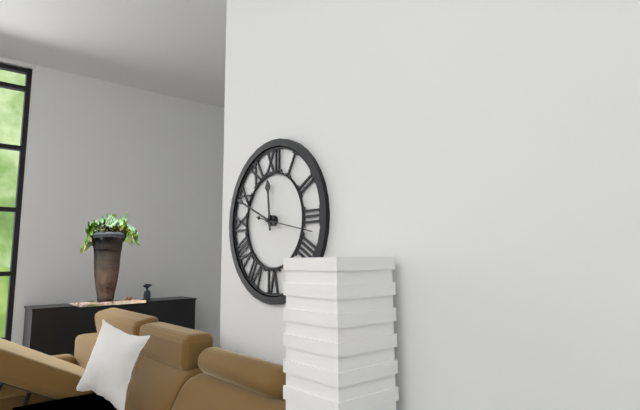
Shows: 11:49
